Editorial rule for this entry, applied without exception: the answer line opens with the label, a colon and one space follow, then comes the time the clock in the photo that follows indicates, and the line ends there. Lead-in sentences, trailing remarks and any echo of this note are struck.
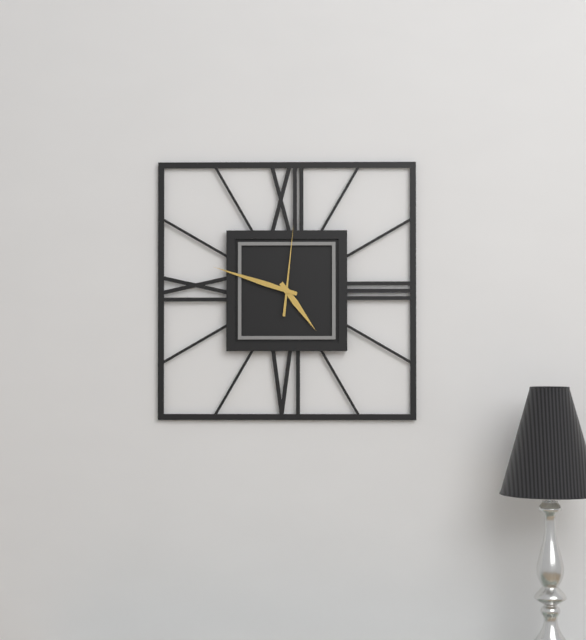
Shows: 4:48:01
